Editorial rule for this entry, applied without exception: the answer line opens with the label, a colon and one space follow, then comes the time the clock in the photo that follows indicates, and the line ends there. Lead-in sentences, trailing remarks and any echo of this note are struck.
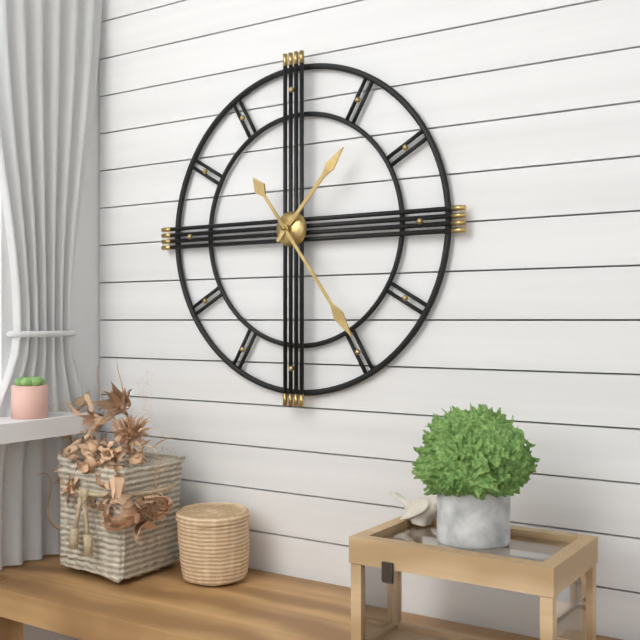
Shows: 1:24
